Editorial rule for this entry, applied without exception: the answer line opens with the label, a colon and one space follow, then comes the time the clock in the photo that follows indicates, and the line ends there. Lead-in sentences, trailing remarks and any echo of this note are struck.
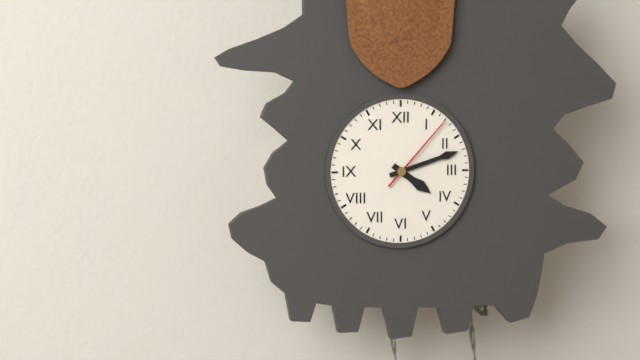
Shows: 4:12:07
